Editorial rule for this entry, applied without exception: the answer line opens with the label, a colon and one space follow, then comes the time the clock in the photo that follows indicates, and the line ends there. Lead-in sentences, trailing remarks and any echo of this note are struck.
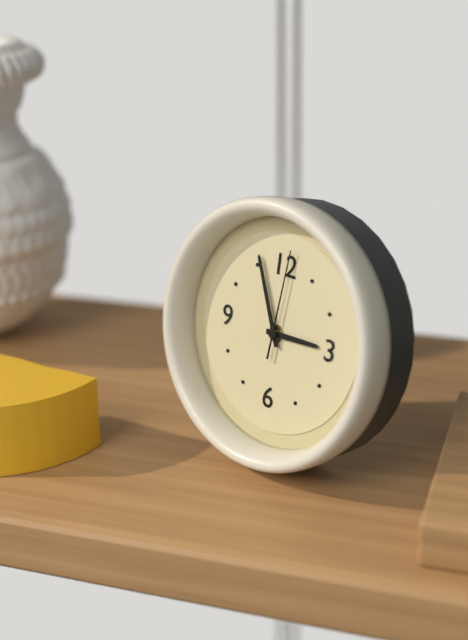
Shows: 2:56:01
